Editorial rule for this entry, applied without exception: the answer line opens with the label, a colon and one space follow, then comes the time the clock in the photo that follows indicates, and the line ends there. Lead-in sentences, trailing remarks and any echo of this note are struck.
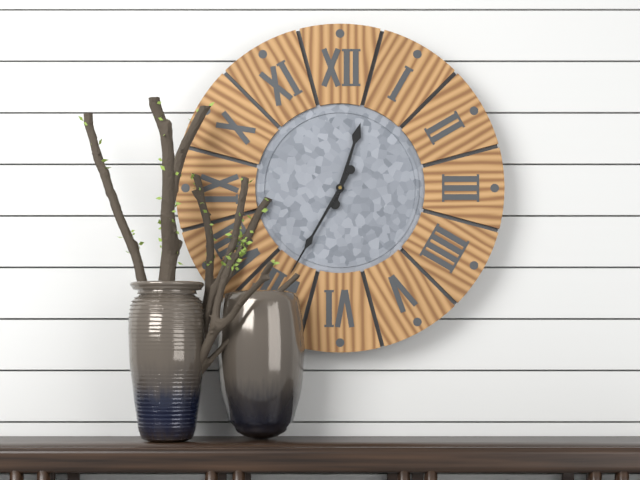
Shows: 12:35
